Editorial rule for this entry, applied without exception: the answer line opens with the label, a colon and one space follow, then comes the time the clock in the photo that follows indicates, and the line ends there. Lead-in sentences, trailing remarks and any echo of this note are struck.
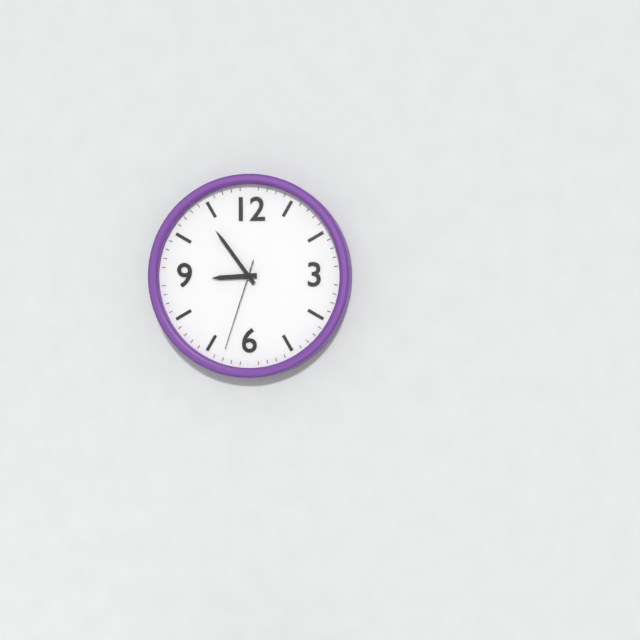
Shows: 8:54:33
